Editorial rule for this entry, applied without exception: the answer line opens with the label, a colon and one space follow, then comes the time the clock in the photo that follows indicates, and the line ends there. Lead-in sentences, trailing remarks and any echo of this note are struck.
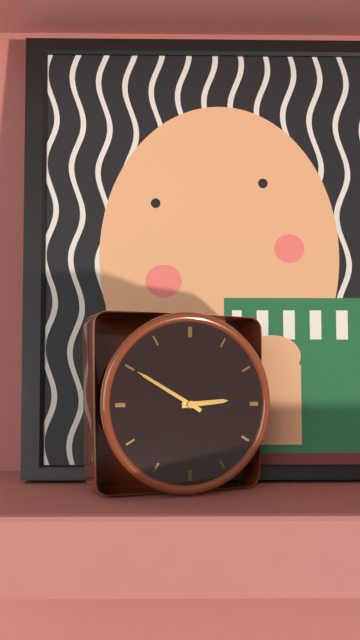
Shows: 2:50
